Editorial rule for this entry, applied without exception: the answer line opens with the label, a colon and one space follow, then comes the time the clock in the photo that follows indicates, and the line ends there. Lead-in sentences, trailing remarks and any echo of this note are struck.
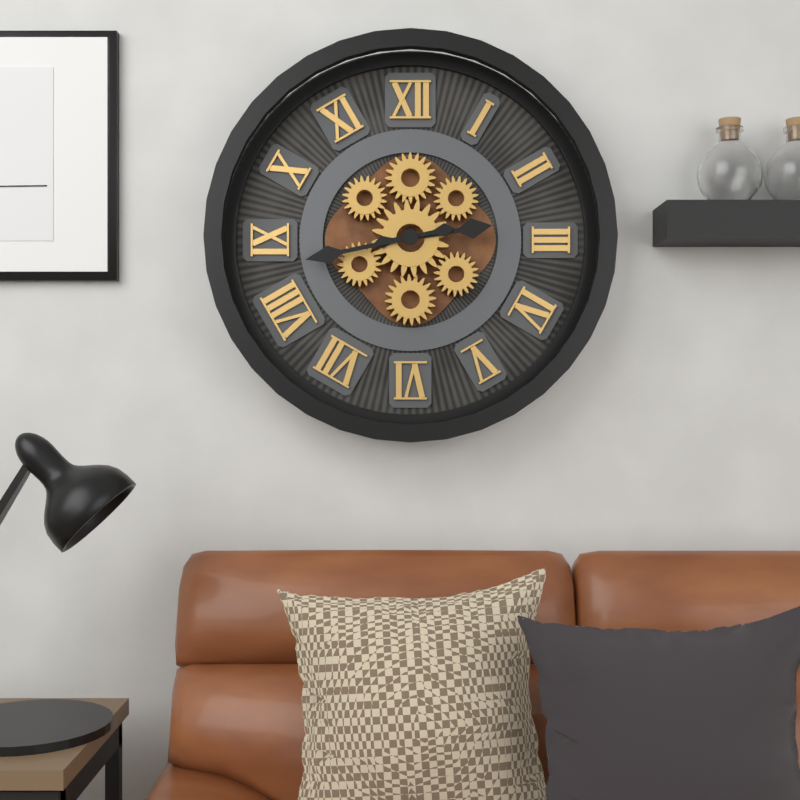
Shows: 2:43
